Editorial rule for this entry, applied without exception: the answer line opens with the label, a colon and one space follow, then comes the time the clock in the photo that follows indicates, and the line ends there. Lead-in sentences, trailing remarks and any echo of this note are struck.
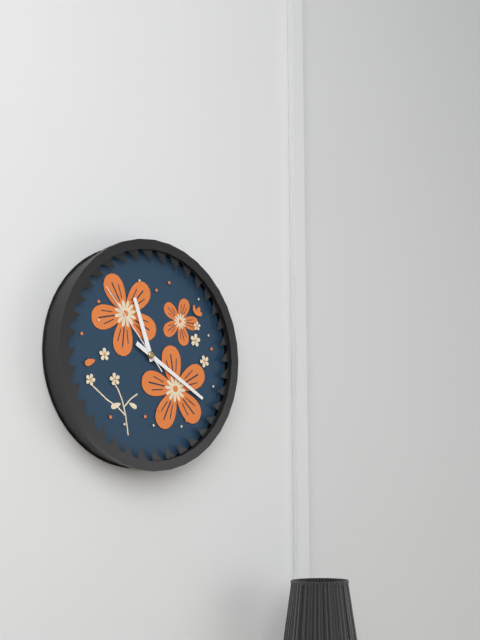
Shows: 11:20:53
